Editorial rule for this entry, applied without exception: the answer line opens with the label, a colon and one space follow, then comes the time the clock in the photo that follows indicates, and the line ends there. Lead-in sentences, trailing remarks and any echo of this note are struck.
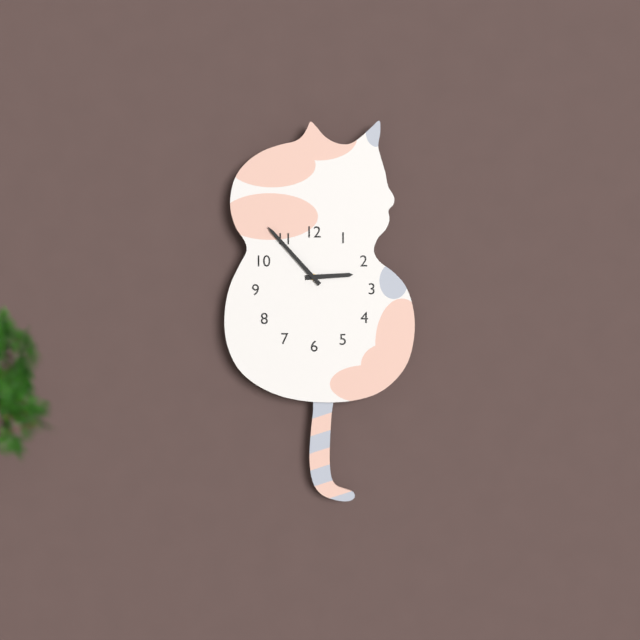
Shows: 2:53
